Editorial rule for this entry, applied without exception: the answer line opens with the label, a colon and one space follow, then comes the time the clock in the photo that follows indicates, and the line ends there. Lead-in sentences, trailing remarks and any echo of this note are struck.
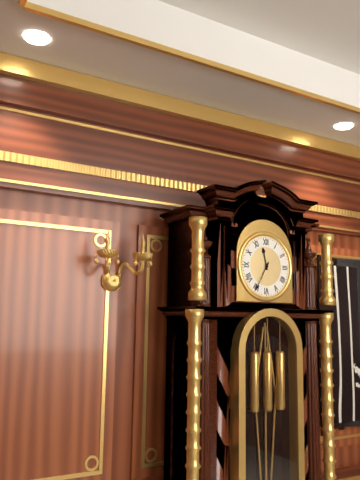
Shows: 11:35
